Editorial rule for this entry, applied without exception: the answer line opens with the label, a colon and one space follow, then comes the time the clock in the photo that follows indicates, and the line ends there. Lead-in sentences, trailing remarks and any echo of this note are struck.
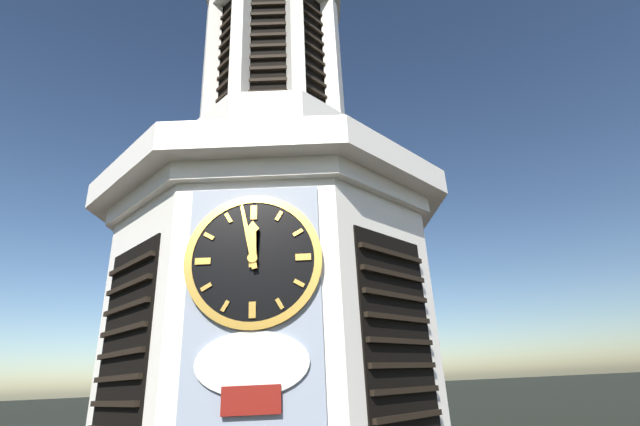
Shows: 11:58
